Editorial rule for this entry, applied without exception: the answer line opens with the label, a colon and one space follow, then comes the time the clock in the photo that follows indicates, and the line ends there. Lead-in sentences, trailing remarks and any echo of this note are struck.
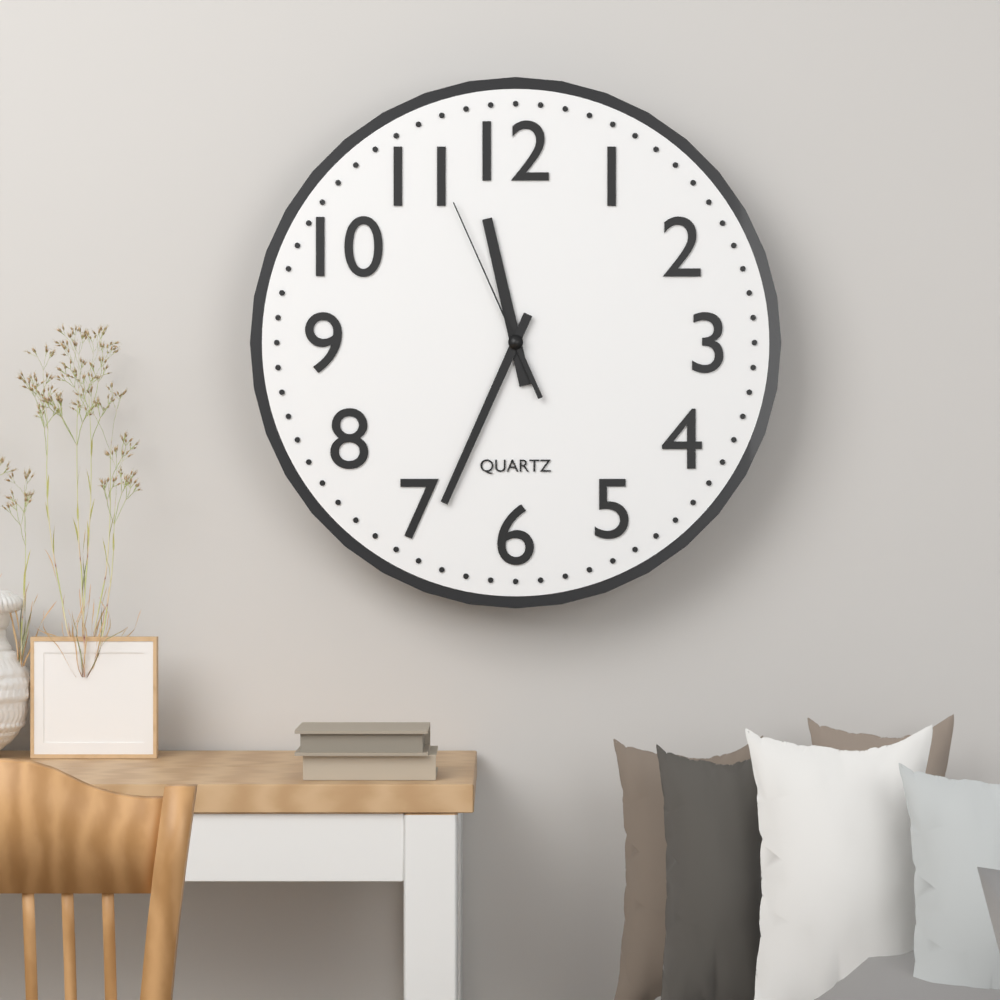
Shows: 11:34:56
